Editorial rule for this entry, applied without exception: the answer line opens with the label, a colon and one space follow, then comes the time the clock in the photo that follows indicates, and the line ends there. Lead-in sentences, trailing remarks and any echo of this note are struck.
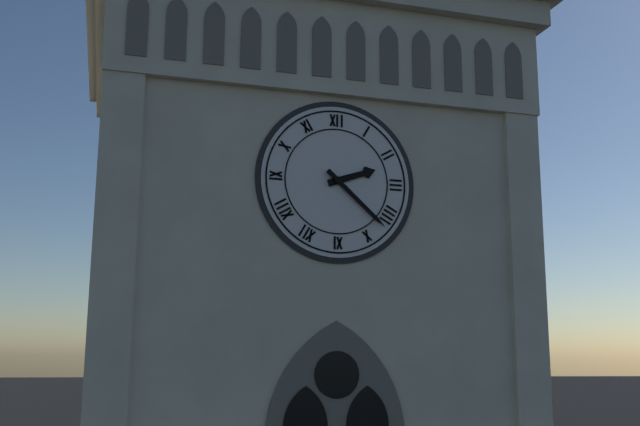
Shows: 2:22
